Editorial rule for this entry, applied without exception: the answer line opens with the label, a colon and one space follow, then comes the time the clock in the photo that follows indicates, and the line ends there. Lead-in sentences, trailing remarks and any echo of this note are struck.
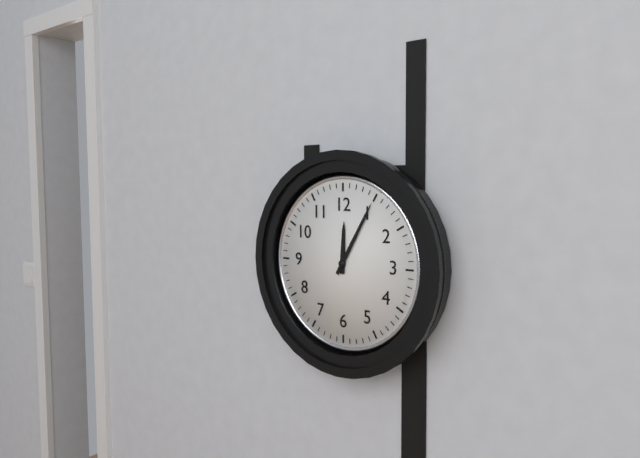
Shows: 12:05
